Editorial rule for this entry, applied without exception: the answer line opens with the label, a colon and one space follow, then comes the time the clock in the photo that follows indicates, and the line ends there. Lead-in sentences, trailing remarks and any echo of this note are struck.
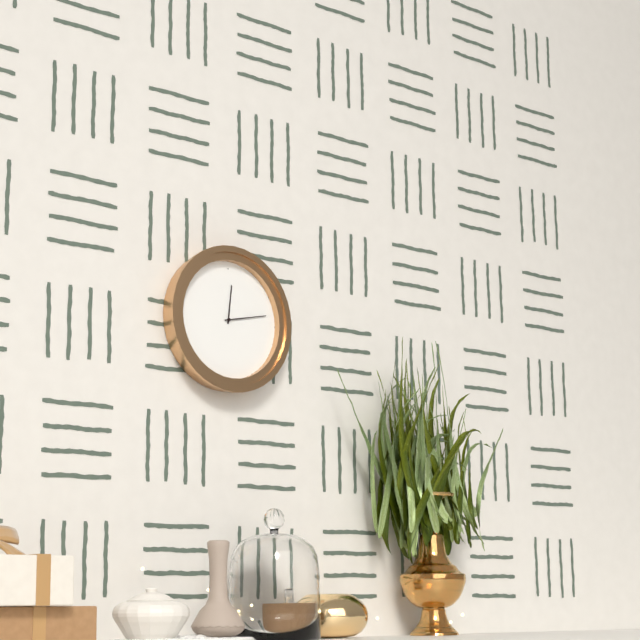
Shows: 12:13
